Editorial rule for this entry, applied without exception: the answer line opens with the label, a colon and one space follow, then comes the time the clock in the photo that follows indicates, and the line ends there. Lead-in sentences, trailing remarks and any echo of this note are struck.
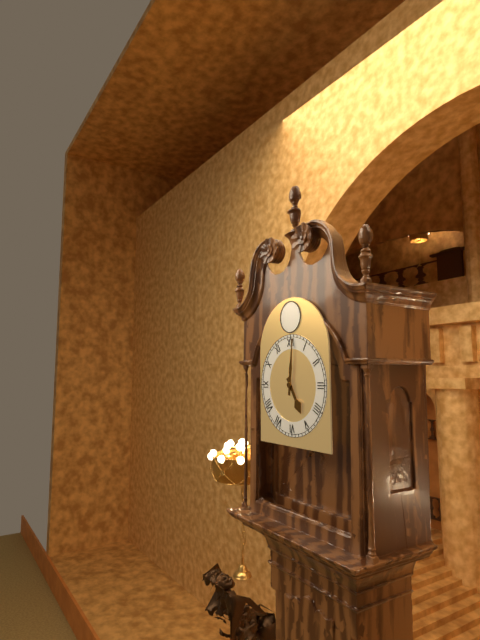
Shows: 5:01
